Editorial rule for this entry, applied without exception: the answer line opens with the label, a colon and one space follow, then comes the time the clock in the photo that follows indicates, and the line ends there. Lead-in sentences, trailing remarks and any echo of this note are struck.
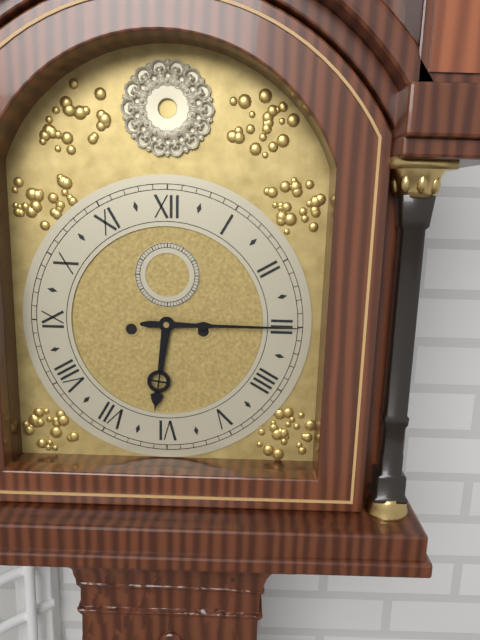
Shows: 6:15
